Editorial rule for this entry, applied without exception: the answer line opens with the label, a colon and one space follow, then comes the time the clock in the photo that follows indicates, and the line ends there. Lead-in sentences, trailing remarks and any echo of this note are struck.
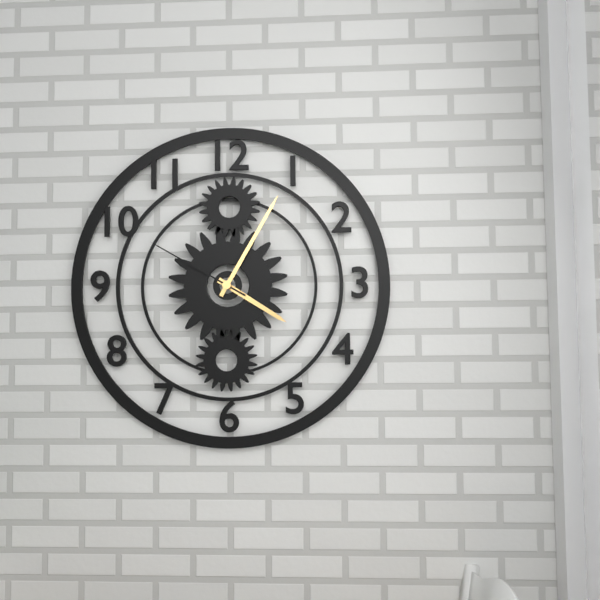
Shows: 4:05:50
